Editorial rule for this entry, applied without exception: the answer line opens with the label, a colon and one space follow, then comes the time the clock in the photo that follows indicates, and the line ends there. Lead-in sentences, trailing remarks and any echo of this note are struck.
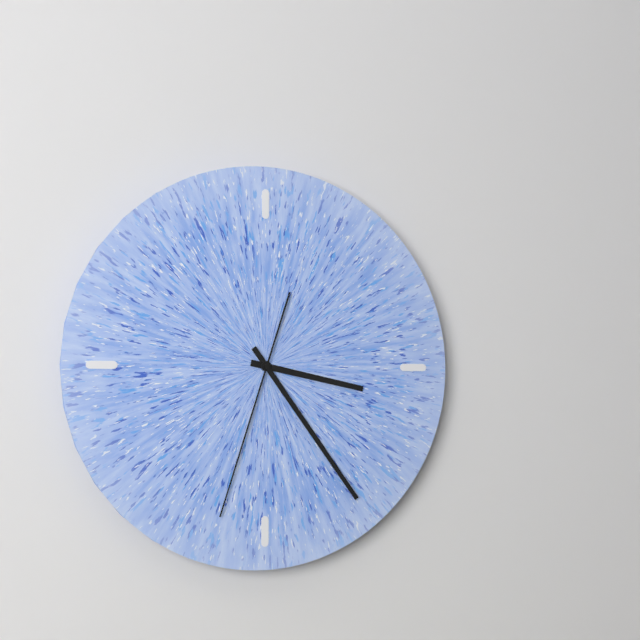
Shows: 3:24:33
